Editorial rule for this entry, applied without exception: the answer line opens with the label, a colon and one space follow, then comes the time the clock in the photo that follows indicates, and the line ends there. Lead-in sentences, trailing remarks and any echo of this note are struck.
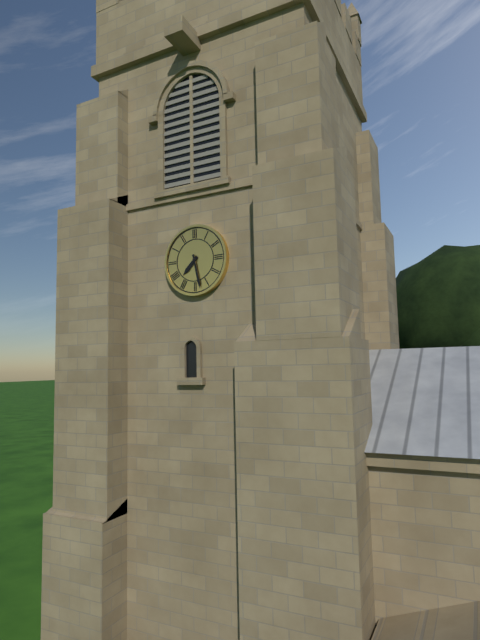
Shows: 7:28
